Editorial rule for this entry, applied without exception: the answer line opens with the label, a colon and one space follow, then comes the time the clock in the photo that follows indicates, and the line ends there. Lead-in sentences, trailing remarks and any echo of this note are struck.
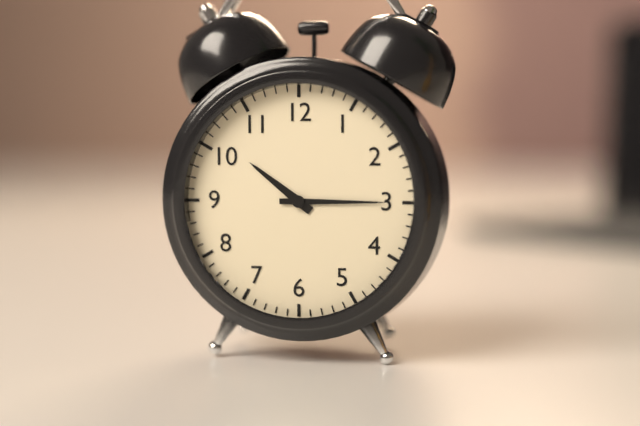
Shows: 10:15
